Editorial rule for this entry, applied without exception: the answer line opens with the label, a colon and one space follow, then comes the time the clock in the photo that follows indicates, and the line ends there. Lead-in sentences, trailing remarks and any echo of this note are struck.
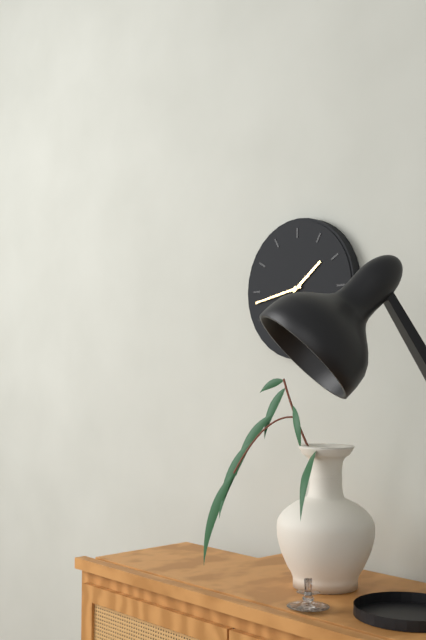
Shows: 1:43
